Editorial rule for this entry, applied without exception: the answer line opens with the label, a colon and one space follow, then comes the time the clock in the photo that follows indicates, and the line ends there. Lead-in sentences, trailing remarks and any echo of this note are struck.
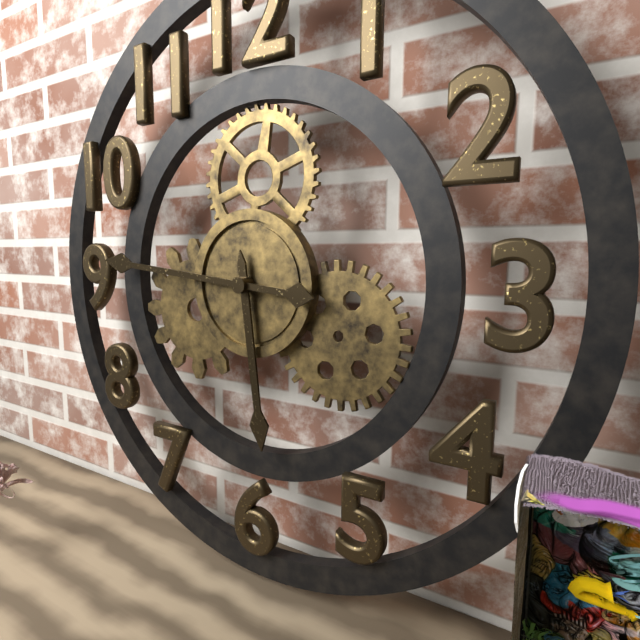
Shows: 5:46
